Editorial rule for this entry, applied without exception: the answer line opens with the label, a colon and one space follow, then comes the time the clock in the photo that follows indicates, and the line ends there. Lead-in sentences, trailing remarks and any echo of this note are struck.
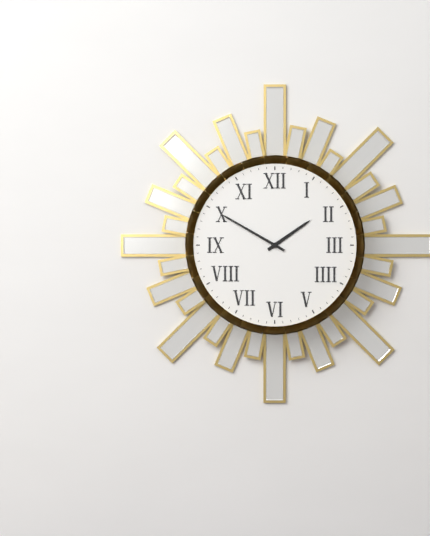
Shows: 1:50
